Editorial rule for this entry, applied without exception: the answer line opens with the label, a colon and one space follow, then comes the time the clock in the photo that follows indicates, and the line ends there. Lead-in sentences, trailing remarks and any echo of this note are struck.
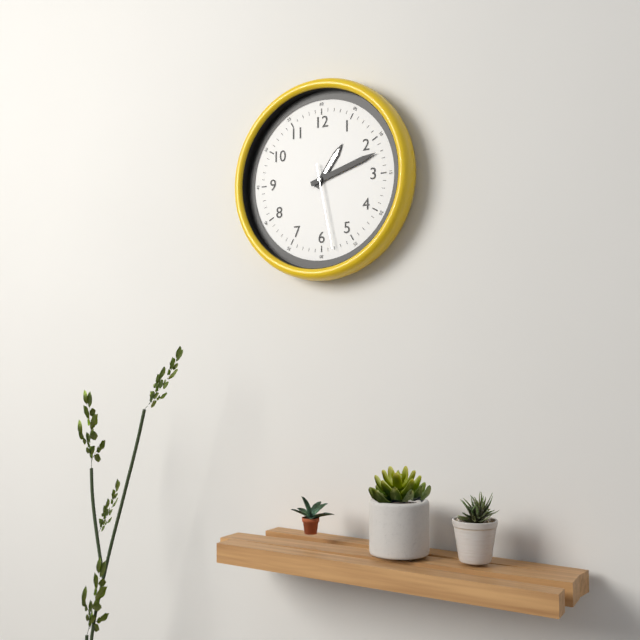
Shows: 1:12:28
